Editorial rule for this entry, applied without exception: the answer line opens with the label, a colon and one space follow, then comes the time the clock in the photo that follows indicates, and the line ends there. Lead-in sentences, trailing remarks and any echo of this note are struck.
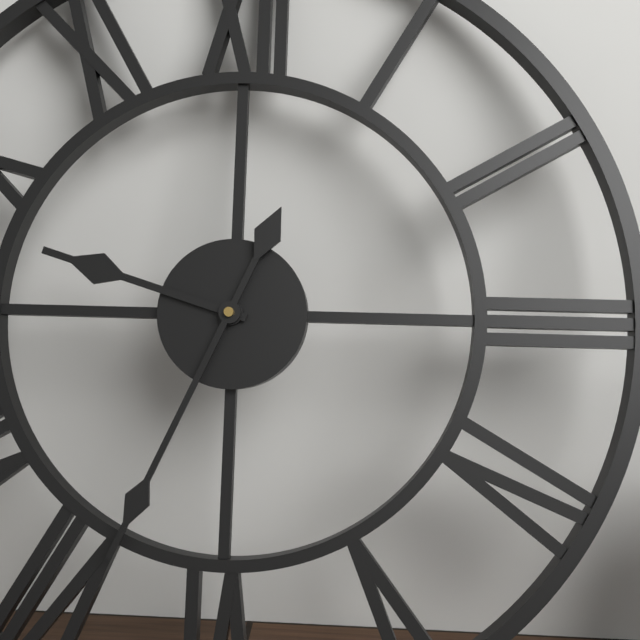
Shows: 9:34
